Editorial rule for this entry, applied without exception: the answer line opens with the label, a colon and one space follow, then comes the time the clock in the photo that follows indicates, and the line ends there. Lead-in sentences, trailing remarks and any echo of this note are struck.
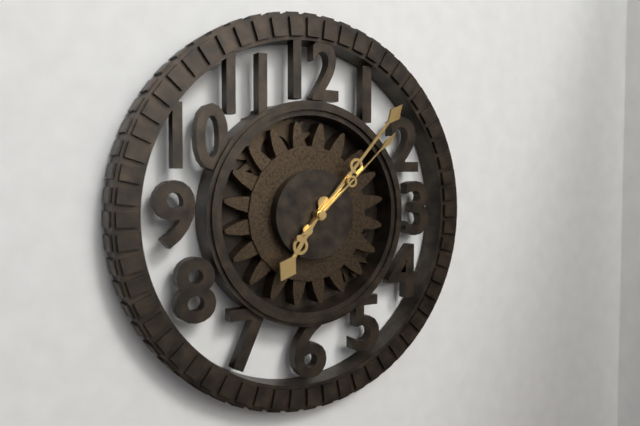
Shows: 7:07:08
